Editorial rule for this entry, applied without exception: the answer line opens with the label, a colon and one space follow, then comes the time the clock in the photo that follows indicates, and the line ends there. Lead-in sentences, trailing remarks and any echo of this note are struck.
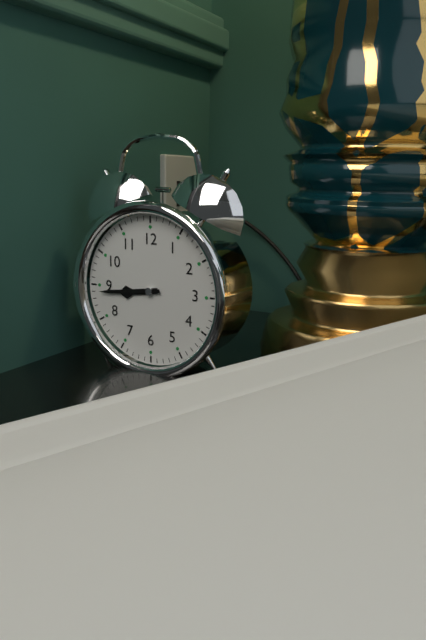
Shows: 8:44
